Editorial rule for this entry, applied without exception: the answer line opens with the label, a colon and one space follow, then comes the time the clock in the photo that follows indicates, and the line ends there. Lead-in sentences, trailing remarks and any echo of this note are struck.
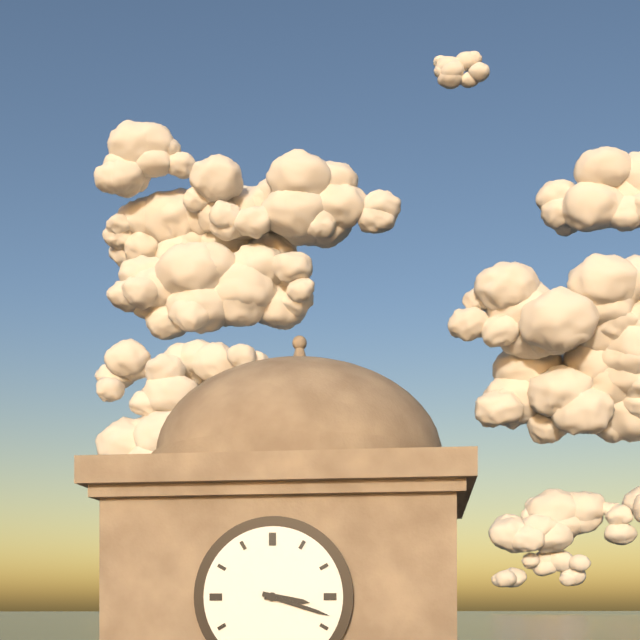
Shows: 3:18
